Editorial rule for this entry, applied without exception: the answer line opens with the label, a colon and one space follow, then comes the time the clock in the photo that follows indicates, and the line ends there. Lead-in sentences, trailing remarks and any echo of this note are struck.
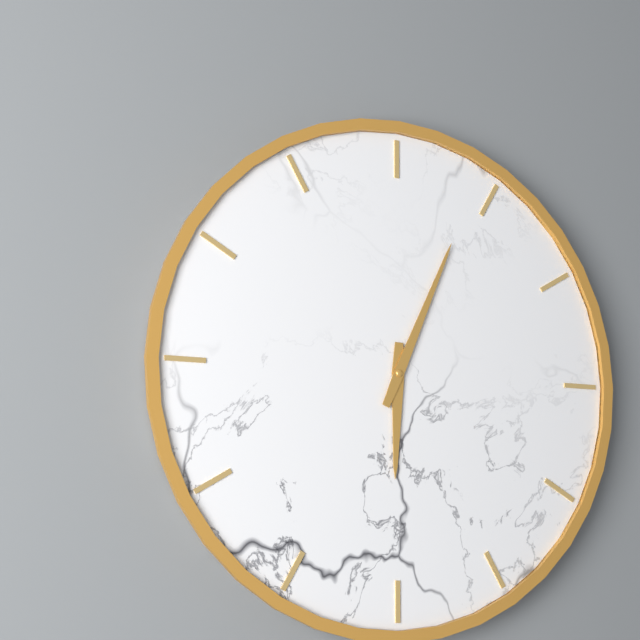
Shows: 6:04
